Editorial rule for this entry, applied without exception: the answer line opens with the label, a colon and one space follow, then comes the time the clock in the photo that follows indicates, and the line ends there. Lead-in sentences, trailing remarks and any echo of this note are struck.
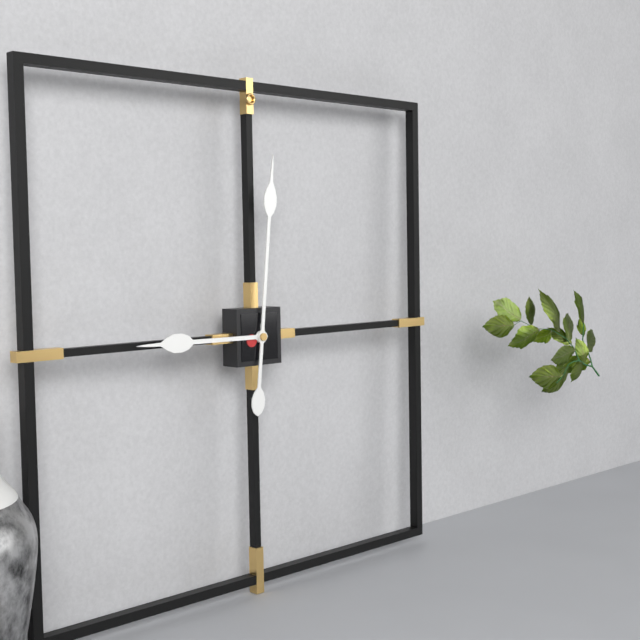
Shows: 9:01
